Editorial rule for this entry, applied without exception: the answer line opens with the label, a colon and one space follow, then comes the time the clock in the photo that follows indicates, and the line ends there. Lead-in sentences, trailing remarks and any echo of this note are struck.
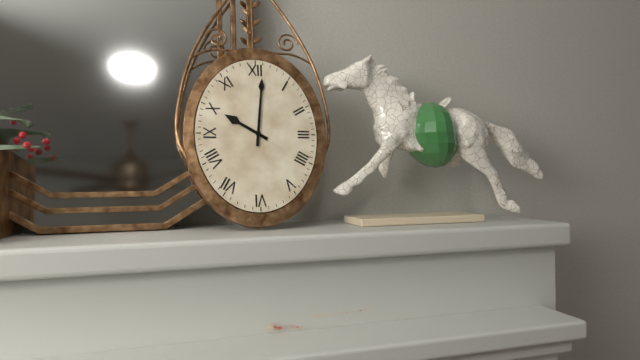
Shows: 10:01
